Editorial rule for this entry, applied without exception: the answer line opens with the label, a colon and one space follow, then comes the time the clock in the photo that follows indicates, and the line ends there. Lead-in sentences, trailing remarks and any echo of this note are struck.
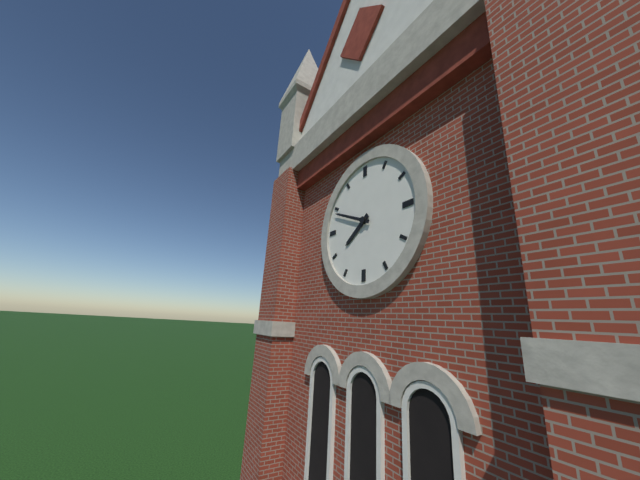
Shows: 7:49
